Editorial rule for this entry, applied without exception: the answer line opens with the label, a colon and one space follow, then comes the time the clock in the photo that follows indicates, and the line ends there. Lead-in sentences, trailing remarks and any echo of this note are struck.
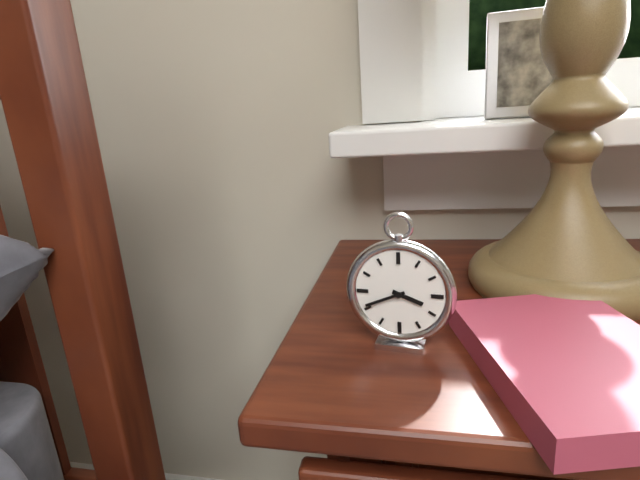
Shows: 3:41
